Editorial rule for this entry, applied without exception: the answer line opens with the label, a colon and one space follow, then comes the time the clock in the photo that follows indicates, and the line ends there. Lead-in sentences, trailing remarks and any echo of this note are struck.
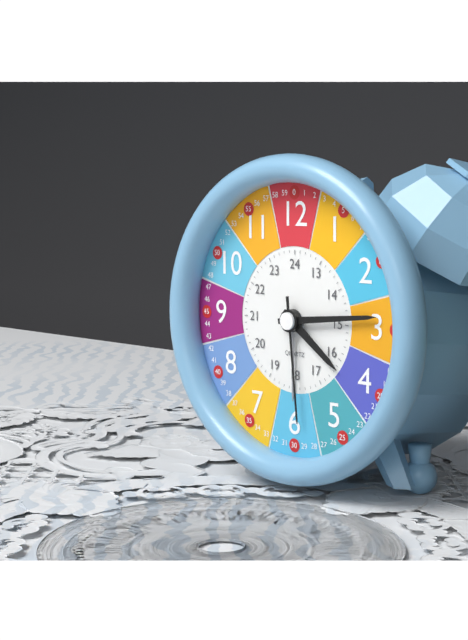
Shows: 4:14:29
